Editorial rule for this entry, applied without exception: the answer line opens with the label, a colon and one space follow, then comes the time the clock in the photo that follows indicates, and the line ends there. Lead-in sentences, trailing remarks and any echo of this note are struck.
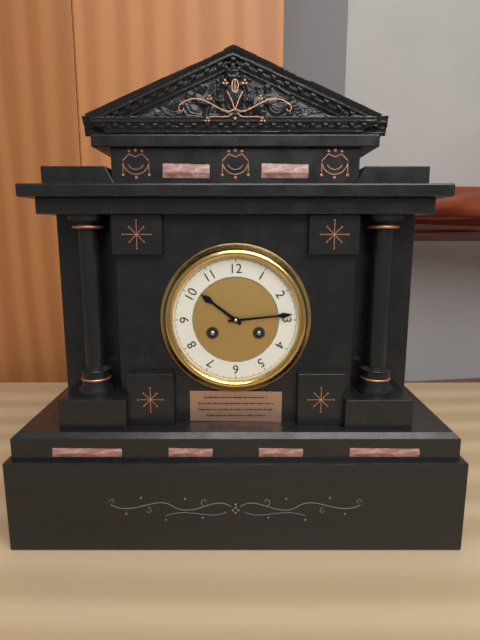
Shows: 10:14
